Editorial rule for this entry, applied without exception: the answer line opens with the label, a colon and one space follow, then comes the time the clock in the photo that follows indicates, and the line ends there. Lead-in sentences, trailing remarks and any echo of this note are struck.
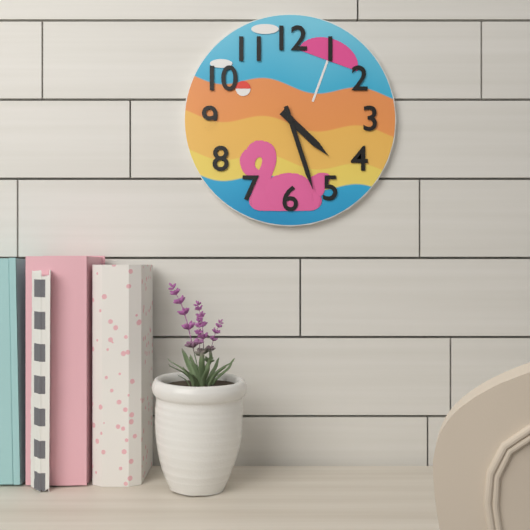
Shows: 4:27
